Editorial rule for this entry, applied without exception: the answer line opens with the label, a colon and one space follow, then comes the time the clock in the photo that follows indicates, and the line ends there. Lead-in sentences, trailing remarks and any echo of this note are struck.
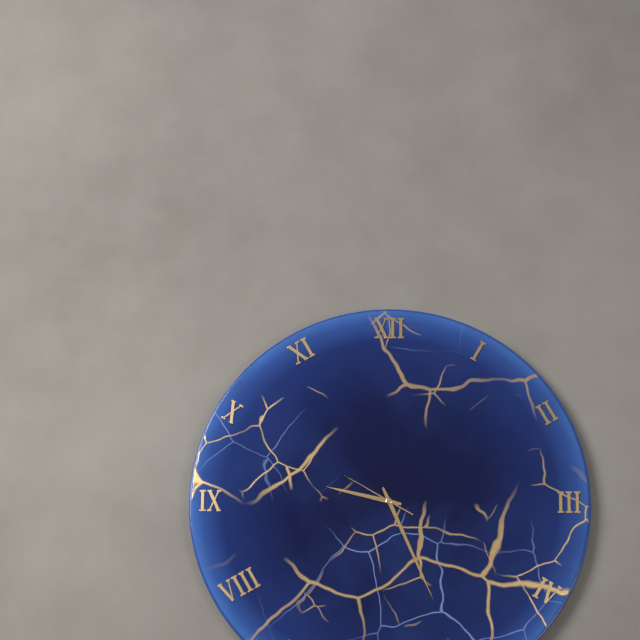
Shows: 9:26:50
